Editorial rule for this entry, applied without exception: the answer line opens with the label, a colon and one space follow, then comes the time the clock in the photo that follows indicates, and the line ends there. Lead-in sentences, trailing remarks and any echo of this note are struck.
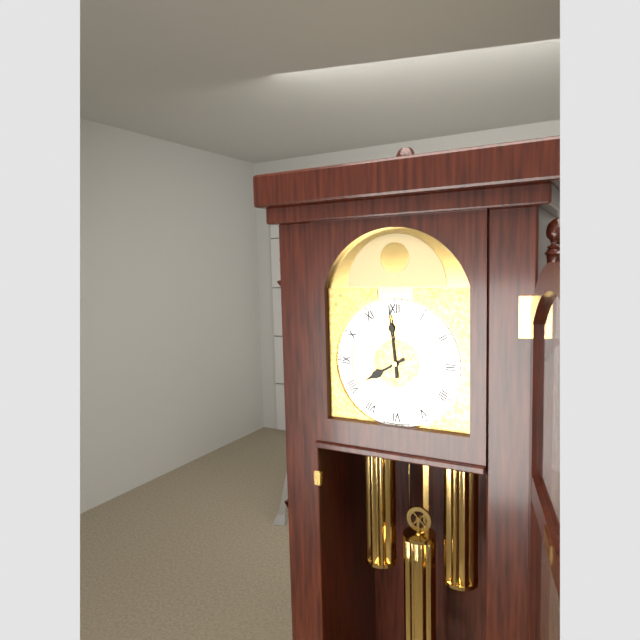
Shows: 7:59
